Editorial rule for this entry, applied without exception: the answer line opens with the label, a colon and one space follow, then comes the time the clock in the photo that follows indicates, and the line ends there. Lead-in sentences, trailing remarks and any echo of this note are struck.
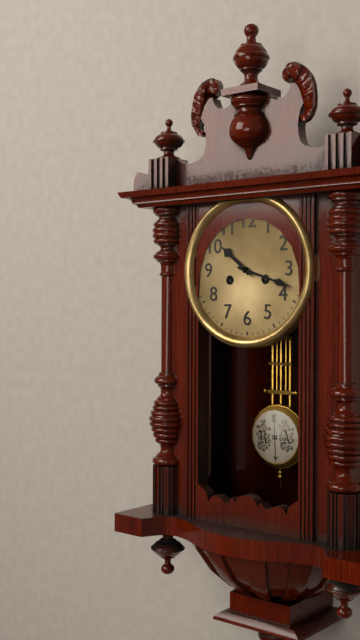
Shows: 10:18
